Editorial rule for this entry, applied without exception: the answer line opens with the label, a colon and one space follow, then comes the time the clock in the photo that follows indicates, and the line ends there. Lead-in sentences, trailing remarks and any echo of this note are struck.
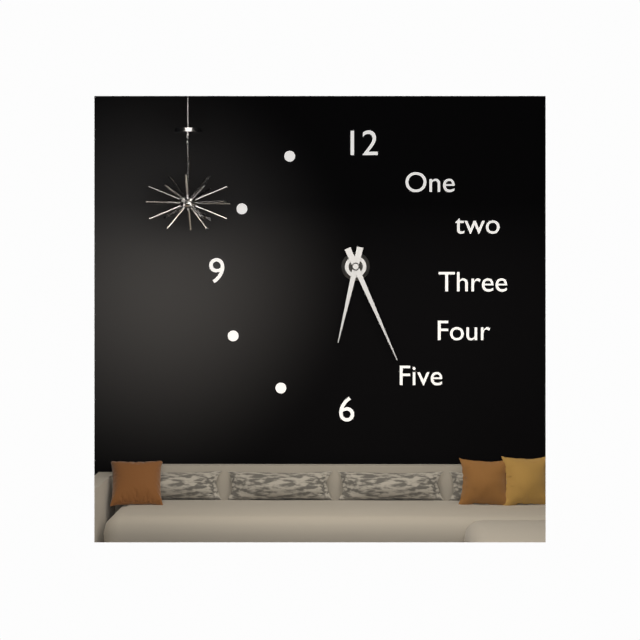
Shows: 6:26
